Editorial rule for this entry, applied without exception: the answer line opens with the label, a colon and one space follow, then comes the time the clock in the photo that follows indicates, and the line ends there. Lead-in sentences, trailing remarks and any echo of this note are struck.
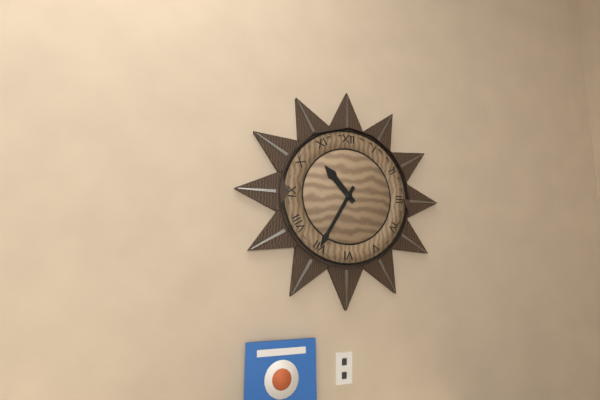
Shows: 10:35
